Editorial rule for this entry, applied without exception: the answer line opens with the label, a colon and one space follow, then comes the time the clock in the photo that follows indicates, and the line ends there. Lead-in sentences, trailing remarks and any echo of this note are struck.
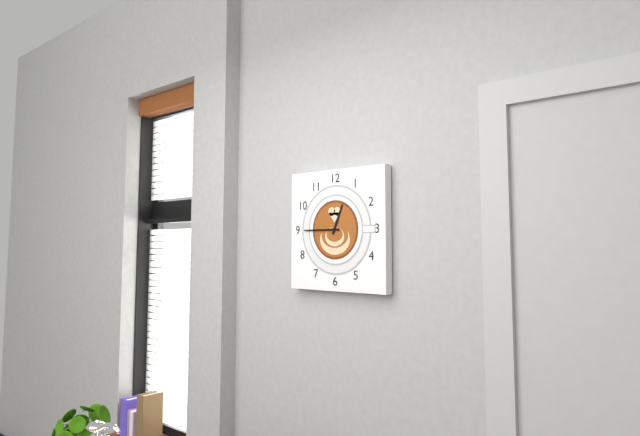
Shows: 12:45
